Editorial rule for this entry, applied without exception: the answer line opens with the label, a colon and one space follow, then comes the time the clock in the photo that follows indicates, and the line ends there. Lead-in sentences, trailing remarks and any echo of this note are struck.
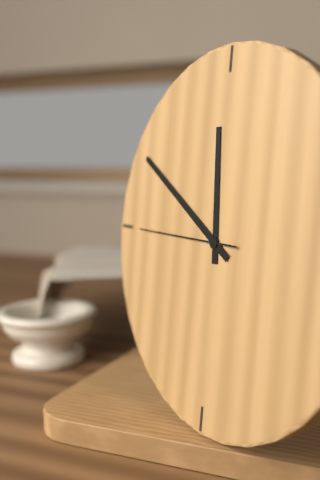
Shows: 11:50:45
